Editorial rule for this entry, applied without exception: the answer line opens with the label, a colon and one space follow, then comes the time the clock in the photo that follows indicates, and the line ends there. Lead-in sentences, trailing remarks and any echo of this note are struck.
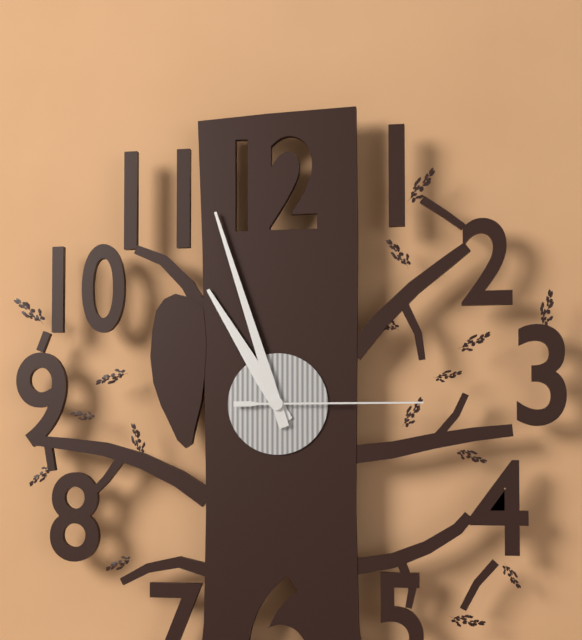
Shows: 10:57:15
